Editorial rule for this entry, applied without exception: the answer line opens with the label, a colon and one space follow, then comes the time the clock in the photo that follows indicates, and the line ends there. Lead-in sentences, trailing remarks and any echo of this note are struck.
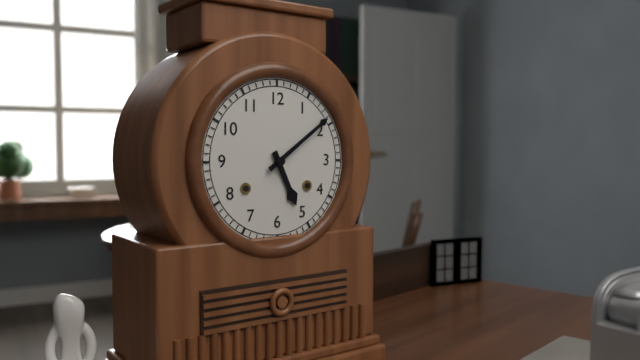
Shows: 5:09
